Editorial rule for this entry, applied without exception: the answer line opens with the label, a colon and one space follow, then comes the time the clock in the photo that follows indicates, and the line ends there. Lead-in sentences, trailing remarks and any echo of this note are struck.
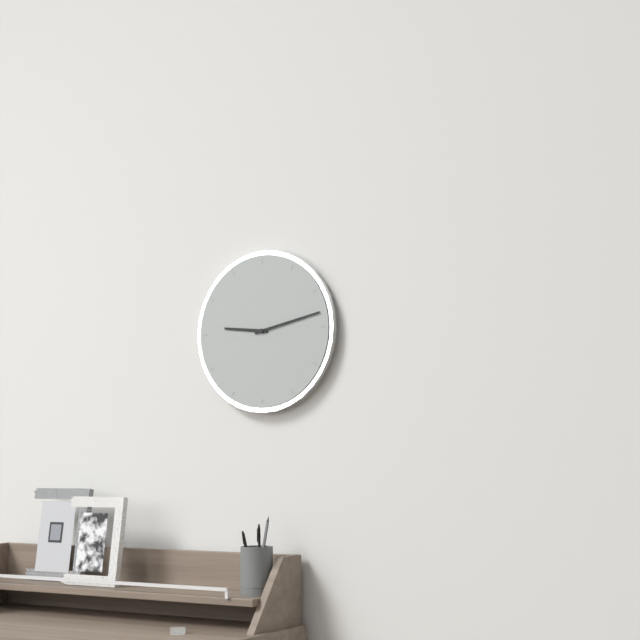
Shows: 9:13
